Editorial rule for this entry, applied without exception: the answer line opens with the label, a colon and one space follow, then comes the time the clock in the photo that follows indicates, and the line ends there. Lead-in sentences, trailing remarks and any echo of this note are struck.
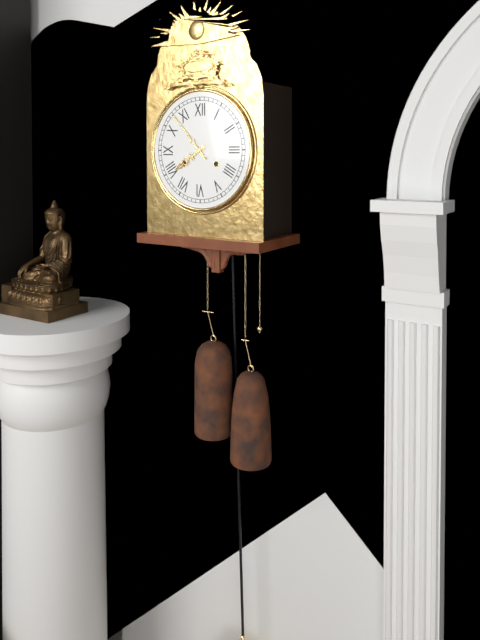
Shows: 7:53
